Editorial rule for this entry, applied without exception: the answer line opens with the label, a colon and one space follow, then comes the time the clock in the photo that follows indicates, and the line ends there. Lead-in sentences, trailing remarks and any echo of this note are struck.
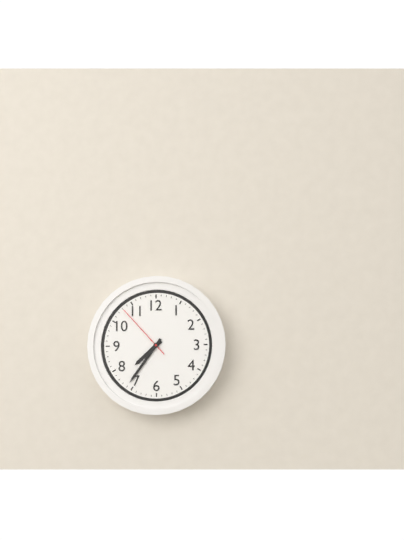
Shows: 7:36:53
